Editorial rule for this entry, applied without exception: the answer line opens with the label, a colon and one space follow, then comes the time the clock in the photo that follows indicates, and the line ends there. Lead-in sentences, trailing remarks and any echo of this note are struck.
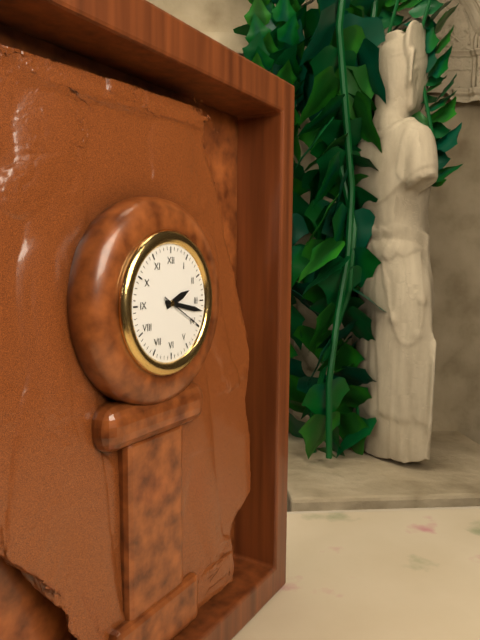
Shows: 2:17
